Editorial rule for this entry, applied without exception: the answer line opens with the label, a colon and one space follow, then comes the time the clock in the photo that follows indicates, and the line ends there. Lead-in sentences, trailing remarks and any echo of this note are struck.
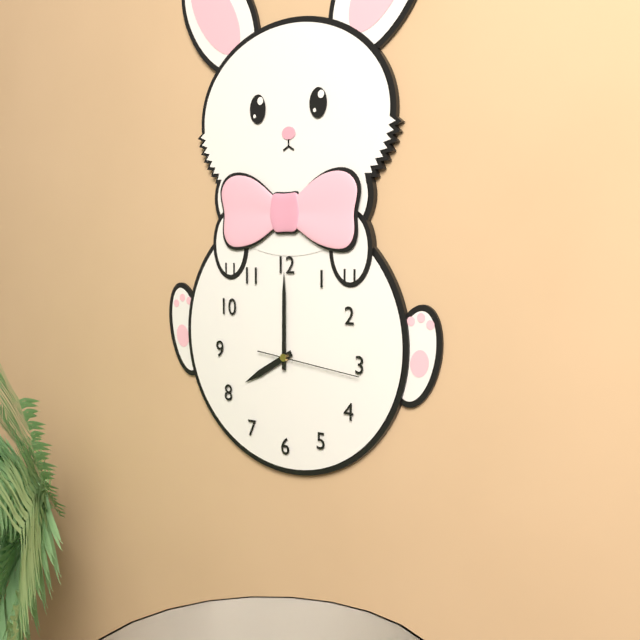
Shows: 8:00:16
